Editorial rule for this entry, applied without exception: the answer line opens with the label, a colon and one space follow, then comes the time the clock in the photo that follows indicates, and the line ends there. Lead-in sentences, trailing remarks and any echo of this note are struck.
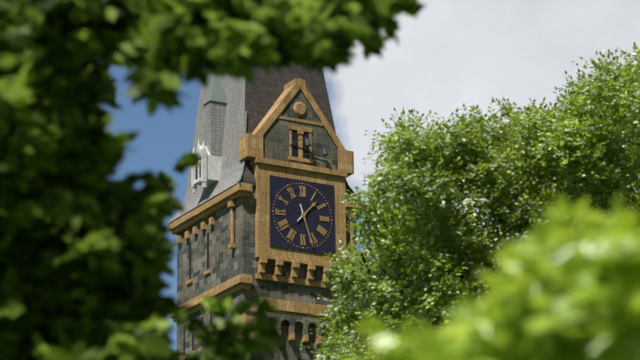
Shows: 1:27
